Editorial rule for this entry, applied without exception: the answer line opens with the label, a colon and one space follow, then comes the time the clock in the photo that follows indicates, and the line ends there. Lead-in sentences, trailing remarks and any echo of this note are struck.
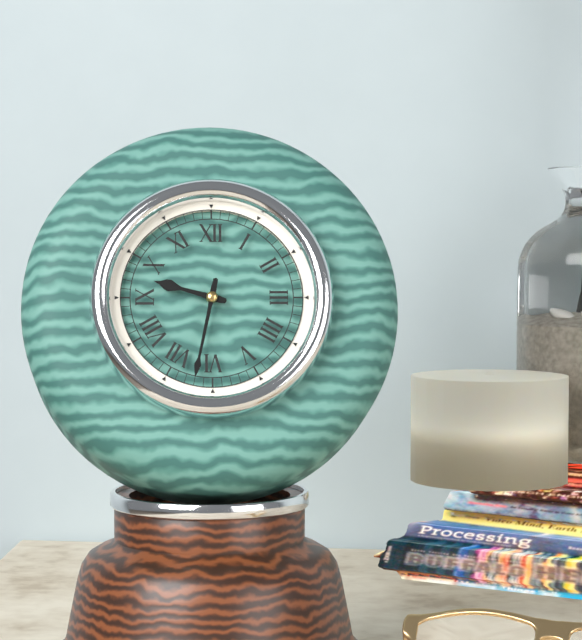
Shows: 9:32
